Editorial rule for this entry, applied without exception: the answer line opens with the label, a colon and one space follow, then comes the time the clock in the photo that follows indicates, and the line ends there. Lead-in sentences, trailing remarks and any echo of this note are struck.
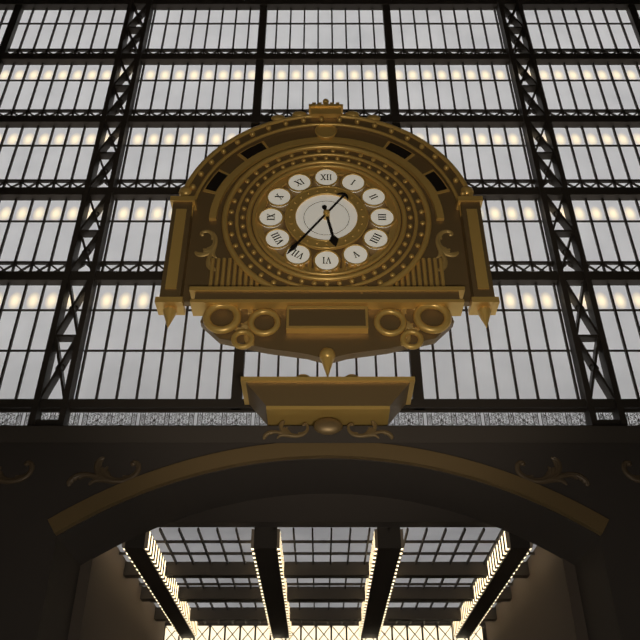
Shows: 5:36
